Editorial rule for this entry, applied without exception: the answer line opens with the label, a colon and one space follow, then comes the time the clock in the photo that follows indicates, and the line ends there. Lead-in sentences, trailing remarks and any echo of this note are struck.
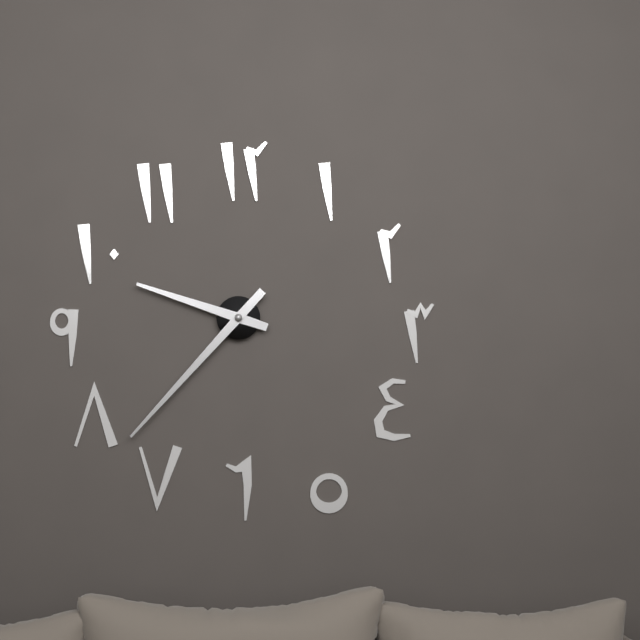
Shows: 9:37
